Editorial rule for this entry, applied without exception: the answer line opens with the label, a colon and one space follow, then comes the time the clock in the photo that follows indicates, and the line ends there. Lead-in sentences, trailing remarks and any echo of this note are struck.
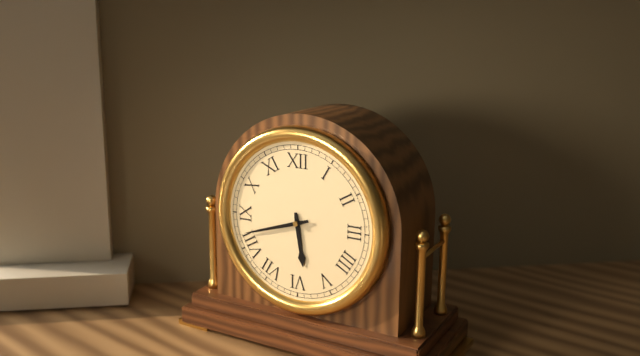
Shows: 5:42
